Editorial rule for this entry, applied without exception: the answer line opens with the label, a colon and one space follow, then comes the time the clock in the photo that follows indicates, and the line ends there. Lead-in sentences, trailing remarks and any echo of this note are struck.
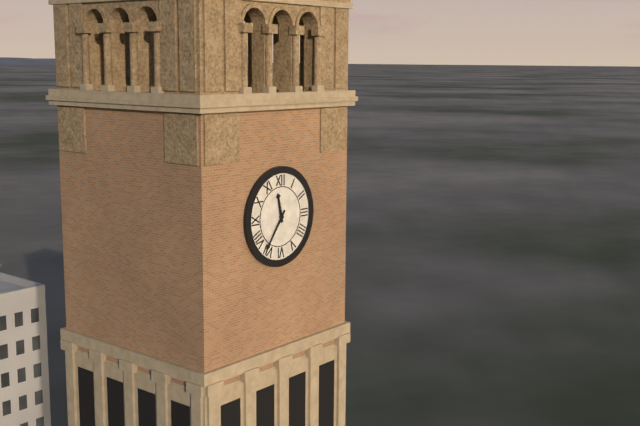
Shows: 11:36
